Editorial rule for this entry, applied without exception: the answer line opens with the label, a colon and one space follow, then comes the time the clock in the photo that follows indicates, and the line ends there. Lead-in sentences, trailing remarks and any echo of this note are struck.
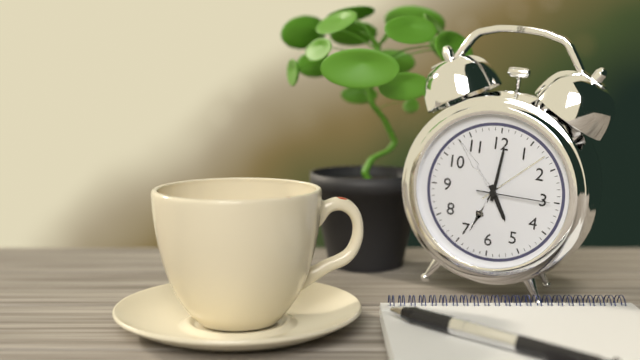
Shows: 5:01:15
